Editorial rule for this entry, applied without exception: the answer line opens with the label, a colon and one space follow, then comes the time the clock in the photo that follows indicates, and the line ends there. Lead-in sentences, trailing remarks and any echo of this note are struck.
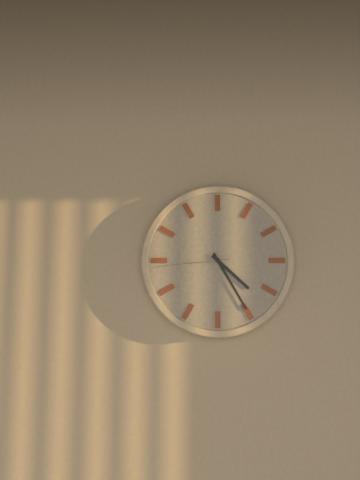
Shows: 4:25:44
